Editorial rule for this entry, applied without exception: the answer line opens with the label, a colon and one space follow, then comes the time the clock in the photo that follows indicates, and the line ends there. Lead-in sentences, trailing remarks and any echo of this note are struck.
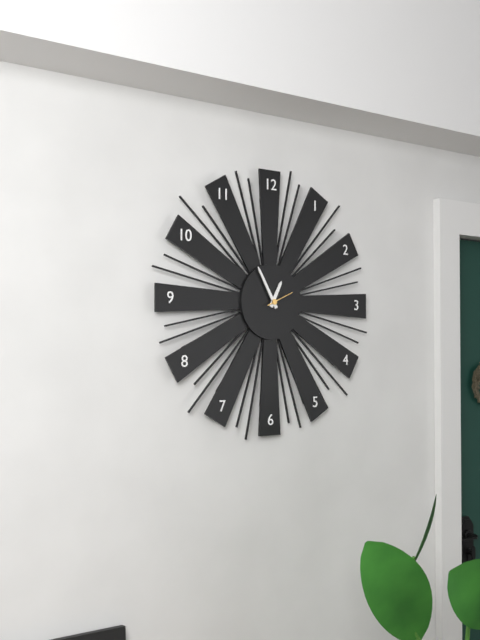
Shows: 12:55
